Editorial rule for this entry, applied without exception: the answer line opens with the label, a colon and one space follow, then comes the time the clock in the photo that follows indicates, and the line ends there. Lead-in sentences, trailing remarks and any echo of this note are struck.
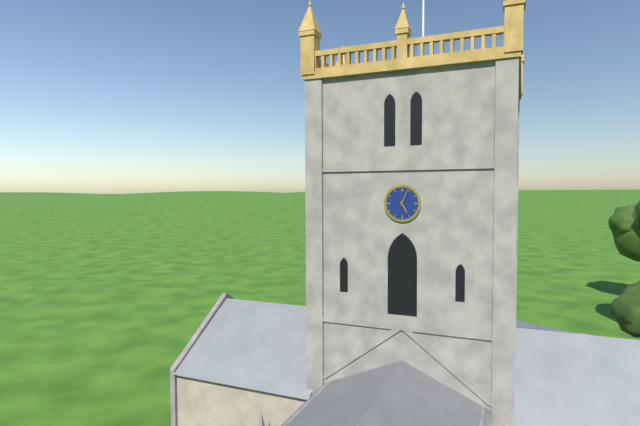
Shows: 5:04
